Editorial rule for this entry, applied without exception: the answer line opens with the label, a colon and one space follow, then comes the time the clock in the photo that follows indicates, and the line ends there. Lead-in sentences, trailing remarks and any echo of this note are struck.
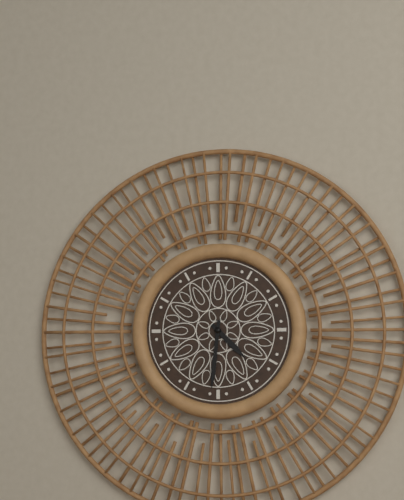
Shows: 4:31
